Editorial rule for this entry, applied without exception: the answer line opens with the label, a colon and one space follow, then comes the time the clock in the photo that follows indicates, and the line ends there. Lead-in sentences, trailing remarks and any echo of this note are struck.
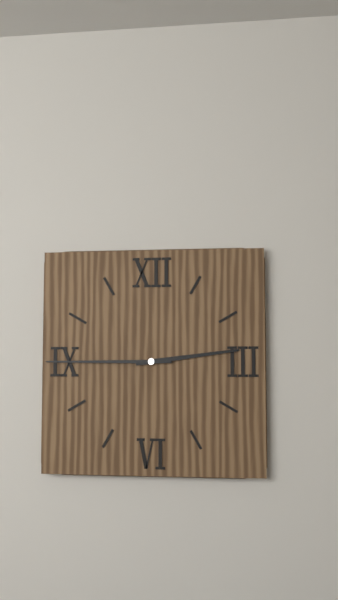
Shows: 2:45
